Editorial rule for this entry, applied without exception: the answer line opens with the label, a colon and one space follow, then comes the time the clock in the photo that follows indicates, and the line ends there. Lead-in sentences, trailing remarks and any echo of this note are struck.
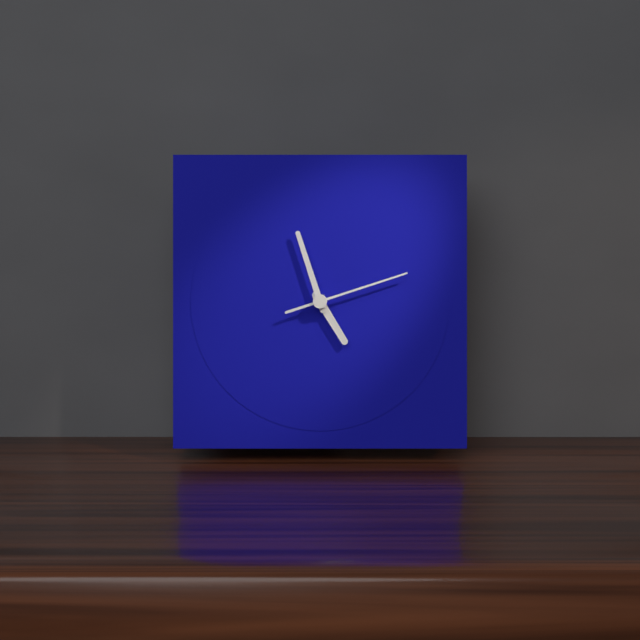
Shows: 4:57:12
